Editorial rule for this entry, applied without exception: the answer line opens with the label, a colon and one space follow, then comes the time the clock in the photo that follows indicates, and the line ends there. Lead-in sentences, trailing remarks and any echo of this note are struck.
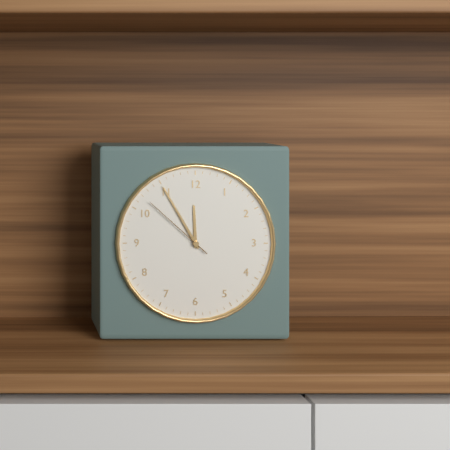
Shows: 11:55:52
